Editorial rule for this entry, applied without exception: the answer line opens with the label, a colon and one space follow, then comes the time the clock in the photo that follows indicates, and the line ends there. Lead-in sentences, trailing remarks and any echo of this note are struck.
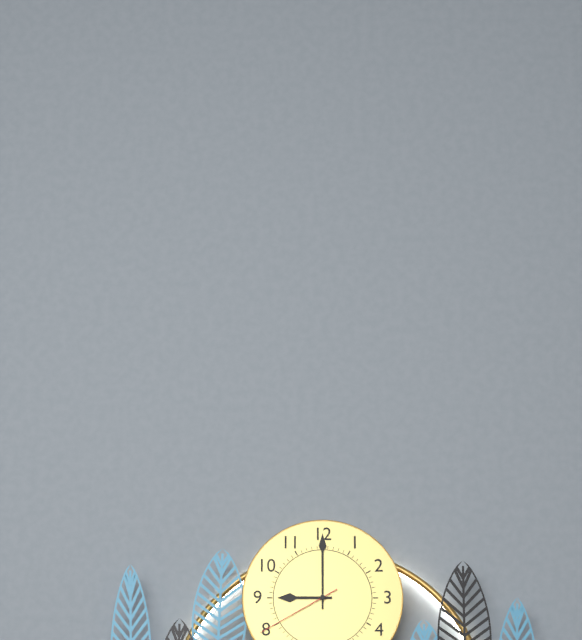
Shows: 9:00:40
